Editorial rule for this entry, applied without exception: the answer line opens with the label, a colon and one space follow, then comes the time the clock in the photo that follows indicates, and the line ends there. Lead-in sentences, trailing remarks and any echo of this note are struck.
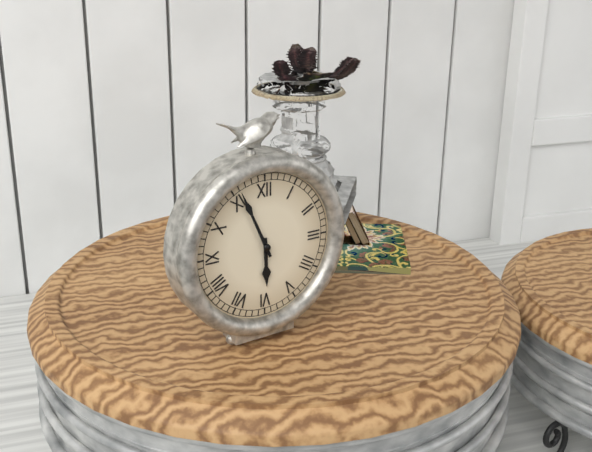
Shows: 5:56
